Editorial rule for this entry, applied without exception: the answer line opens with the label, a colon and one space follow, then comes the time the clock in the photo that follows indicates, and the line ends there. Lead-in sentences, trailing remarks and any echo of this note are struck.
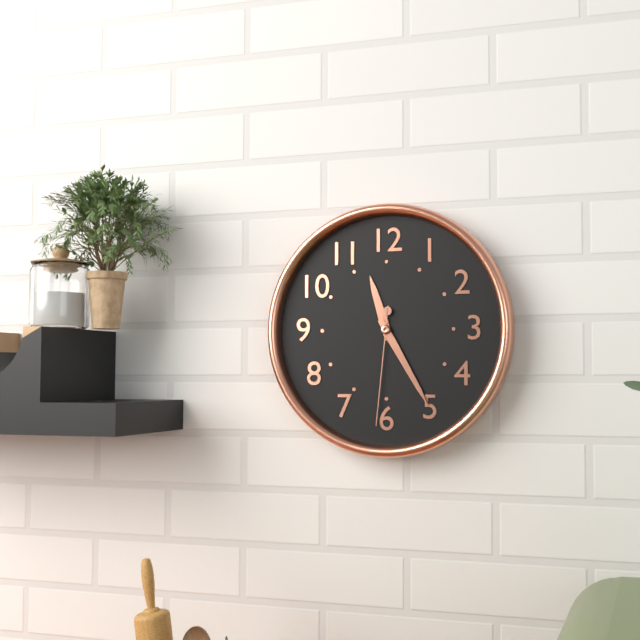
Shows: 11:25:31
